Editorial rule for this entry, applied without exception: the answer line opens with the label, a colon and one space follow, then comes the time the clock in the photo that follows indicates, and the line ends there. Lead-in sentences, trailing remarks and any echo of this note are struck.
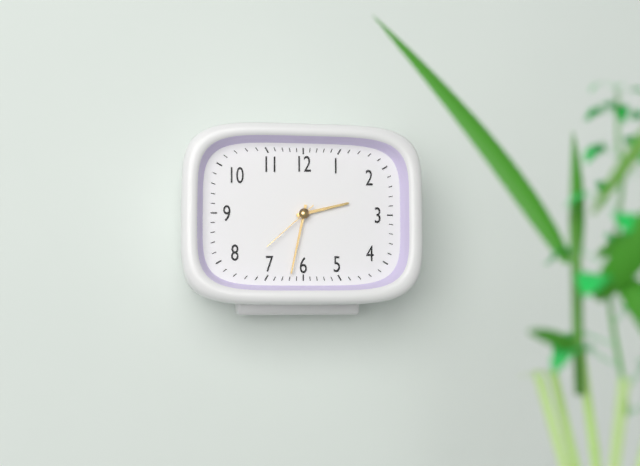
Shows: 2:32:38
